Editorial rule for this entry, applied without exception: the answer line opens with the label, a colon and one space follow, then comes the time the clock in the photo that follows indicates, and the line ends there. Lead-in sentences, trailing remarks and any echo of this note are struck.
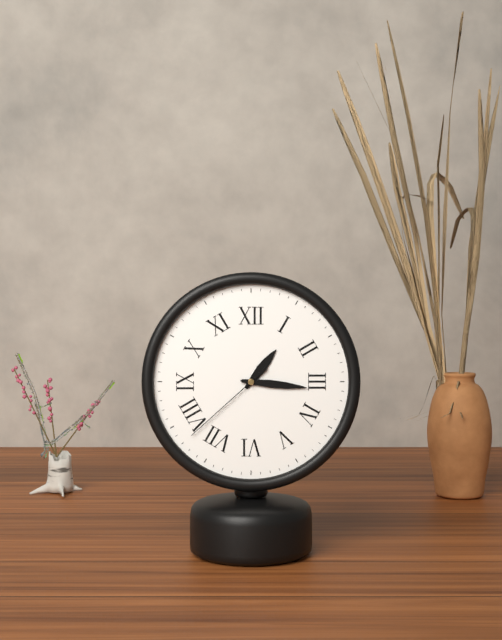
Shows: 1:16:38
